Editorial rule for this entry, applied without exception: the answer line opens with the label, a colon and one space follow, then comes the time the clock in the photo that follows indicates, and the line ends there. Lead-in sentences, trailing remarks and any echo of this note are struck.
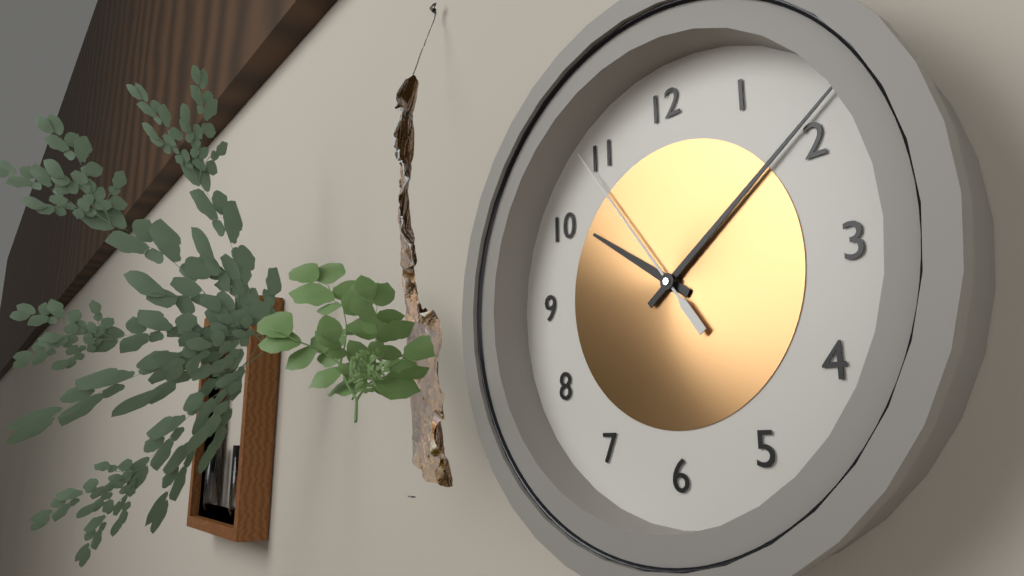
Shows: 10:09:54
